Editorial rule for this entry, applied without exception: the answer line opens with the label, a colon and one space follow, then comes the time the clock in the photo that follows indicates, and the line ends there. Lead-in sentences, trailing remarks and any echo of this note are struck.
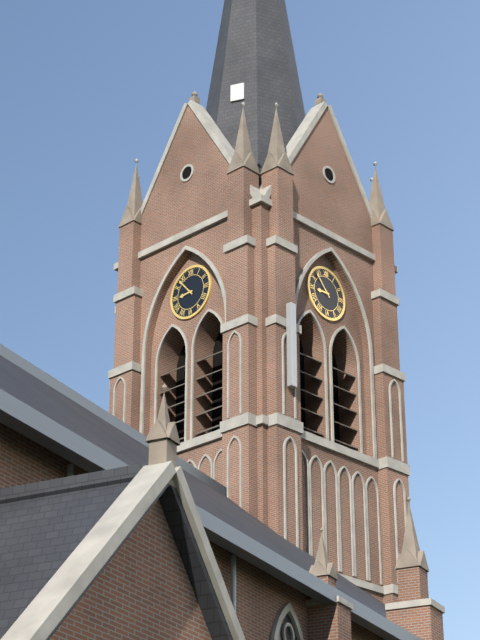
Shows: 8:53
